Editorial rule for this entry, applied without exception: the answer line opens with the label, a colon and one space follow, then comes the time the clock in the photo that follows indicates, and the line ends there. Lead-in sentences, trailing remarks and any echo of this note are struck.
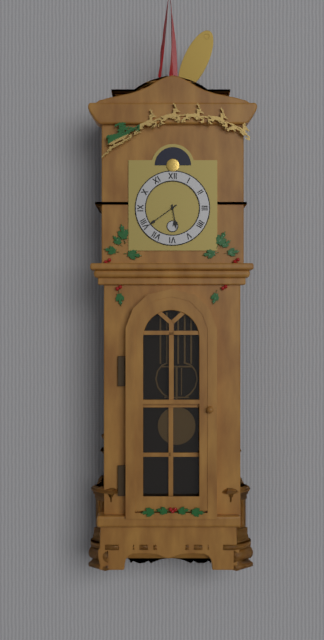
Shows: 5:39
